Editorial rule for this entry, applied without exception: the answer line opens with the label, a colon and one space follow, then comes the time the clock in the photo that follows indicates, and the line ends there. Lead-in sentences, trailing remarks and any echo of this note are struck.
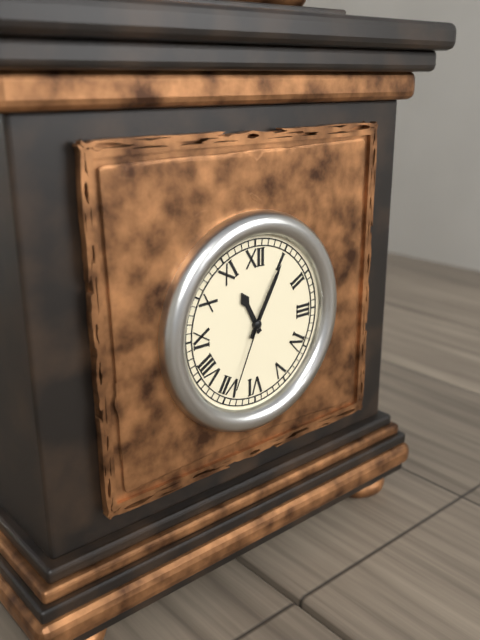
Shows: 11:05:34
